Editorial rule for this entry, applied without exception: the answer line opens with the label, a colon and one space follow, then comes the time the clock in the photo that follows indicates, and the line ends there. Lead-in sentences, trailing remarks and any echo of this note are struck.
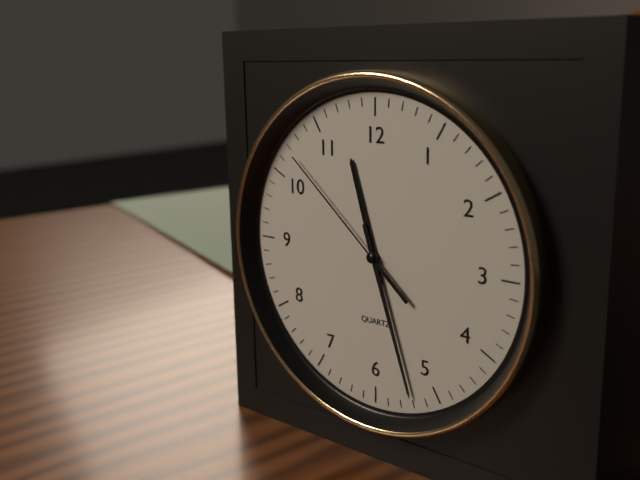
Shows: 11:27:52
